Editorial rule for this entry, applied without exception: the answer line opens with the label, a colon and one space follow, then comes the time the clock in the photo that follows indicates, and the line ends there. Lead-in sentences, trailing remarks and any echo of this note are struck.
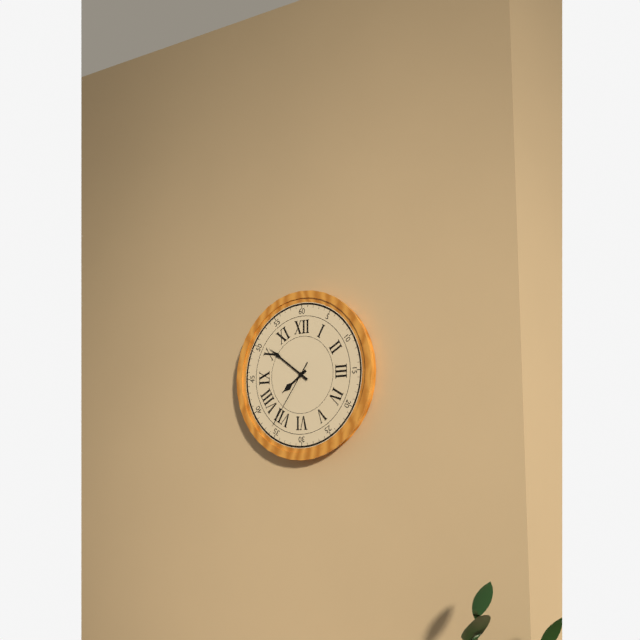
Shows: 7:51:36
